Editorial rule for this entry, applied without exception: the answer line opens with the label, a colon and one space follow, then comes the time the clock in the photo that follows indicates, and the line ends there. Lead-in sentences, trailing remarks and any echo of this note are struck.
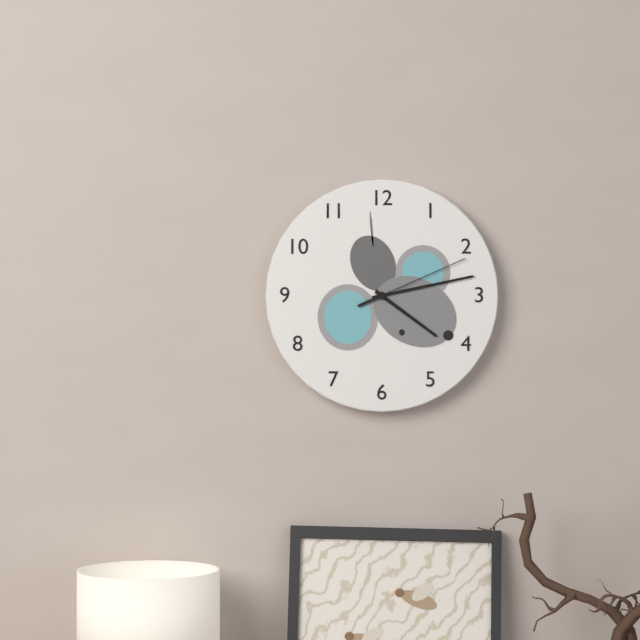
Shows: 4:13:11
